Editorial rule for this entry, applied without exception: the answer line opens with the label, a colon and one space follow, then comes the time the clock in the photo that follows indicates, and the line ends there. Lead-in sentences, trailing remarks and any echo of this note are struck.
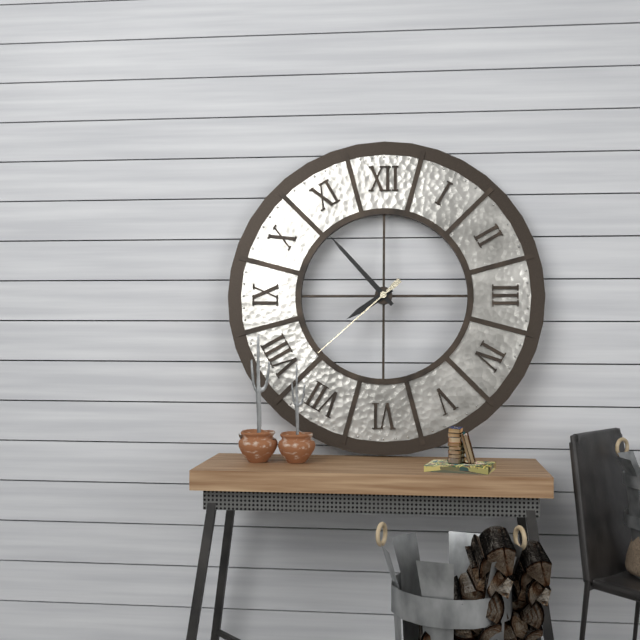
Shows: 7:53:38
